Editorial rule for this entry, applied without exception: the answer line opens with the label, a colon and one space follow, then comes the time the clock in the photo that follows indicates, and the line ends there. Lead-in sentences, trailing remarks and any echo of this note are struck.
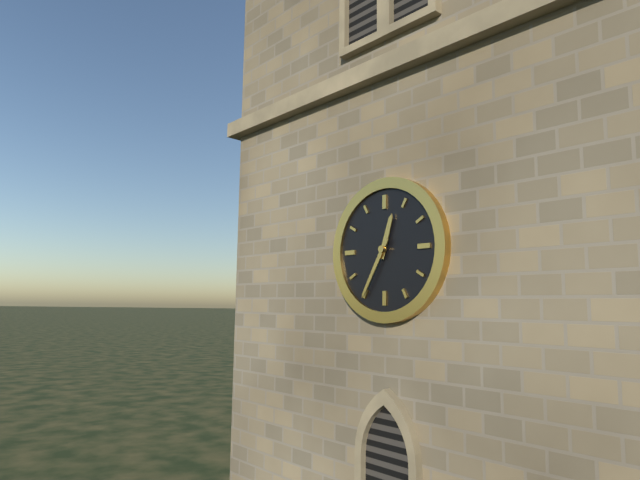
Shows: 12:35
